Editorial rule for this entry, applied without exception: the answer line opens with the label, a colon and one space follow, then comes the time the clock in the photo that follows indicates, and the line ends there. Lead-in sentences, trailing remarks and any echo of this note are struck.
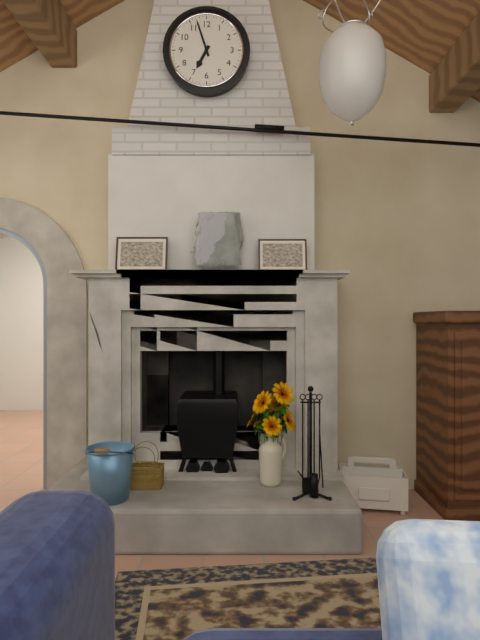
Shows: 6:57
